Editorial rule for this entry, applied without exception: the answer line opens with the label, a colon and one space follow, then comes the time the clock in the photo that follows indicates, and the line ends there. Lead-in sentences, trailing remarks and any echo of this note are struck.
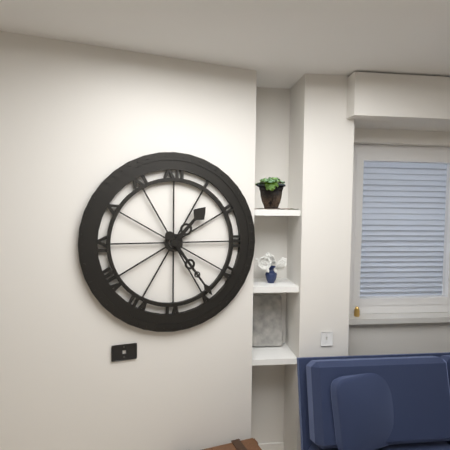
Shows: 1:24
